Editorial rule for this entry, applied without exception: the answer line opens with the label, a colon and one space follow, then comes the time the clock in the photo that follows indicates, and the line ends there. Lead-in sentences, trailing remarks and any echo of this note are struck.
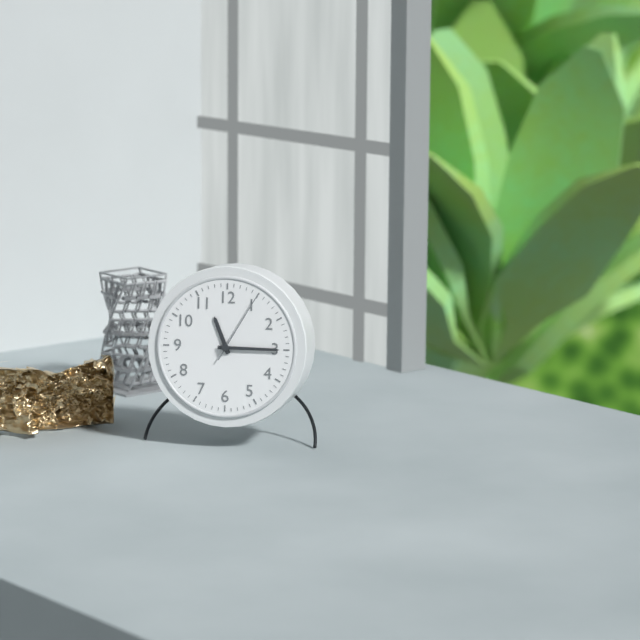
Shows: 11:15:05
